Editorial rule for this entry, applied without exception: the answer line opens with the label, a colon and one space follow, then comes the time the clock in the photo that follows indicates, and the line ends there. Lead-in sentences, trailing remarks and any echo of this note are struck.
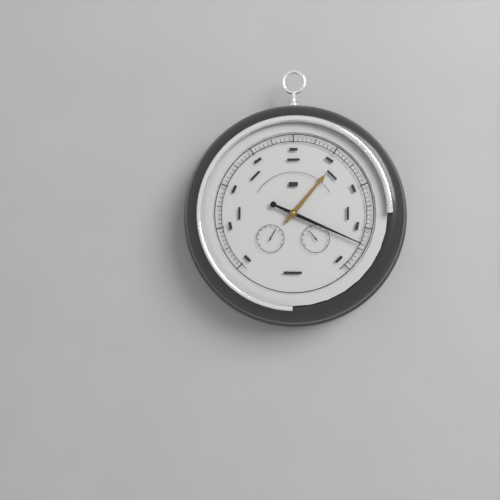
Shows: 1:19
